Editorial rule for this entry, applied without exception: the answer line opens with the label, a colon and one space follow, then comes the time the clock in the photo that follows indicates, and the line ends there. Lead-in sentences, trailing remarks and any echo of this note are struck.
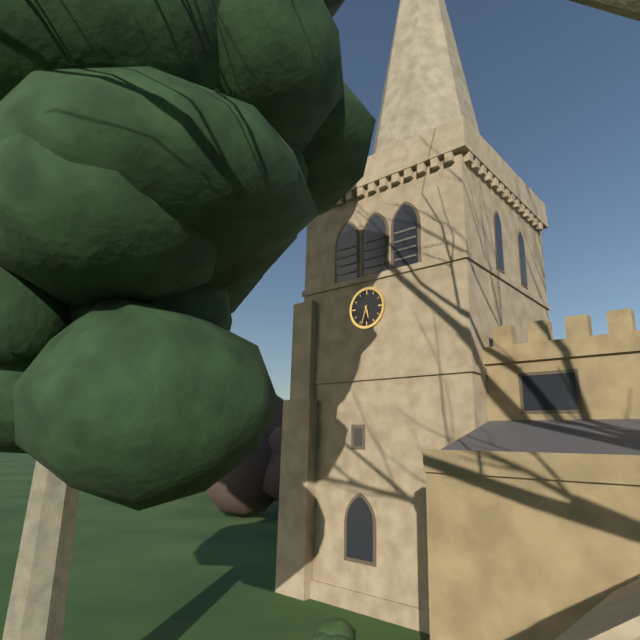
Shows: 5:33
